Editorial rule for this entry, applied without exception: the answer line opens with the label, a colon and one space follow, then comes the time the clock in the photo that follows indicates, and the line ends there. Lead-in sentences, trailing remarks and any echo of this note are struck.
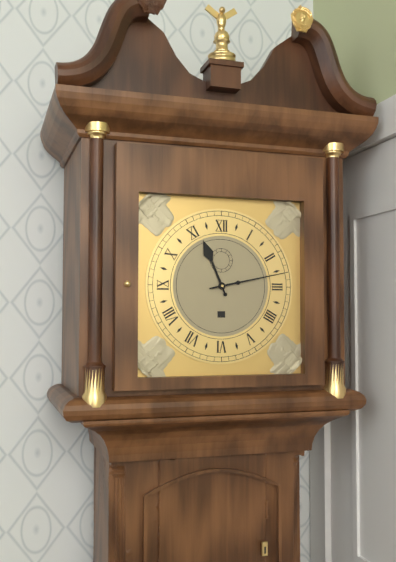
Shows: 11:13
